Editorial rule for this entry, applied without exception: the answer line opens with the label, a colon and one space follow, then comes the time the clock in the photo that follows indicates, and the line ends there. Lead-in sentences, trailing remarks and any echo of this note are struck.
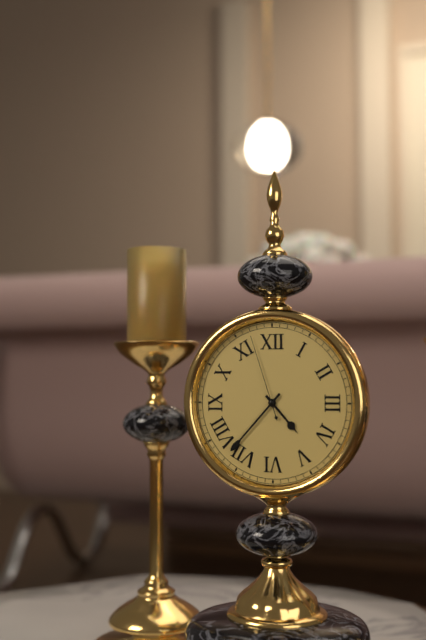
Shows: 4:37:57
